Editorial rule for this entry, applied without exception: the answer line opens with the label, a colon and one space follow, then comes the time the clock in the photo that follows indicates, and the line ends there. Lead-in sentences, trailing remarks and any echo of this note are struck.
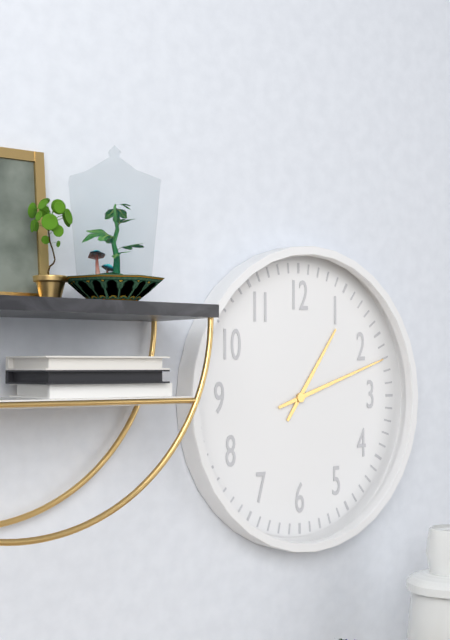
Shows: 1:12
